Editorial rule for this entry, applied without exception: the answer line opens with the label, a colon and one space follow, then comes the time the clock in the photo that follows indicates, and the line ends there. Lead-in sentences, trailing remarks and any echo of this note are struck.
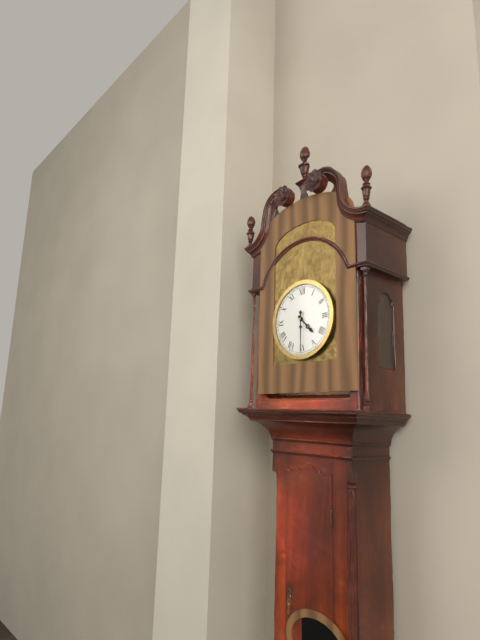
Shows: 4:30
